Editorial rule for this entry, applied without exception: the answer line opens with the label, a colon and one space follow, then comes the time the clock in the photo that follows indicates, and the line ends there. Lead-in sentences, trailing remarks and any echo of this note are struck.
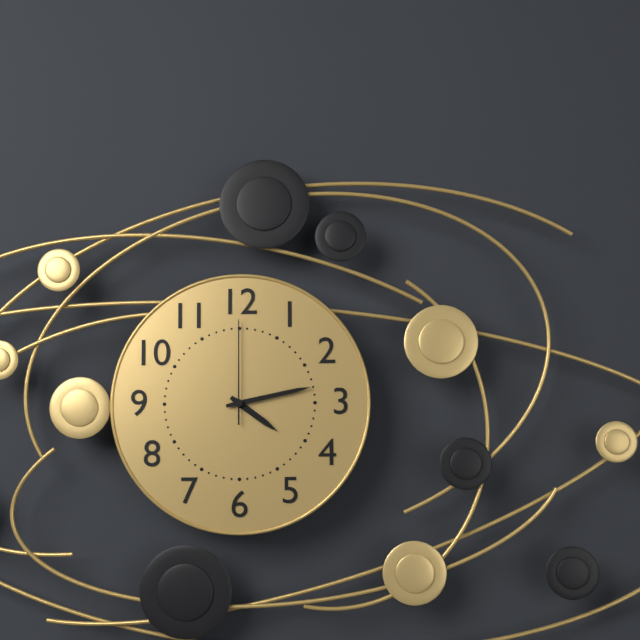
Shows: 4:13:00
